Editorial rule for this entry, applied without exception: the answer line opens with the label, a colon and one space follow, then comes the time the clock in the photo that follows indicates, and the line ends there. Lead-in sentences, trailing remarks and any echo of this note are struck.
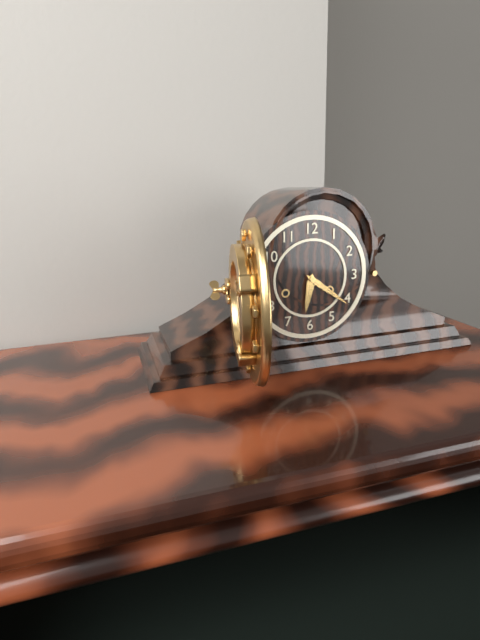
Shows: 6:21
